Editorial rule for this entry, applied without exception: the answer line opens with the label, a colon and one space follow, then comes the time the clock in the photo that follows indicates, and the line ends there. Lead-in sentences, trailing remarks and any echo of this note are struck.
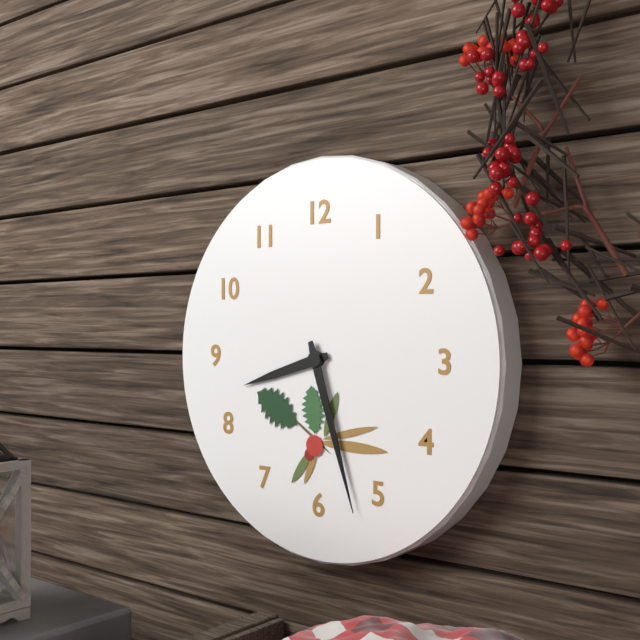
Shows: 8:27
